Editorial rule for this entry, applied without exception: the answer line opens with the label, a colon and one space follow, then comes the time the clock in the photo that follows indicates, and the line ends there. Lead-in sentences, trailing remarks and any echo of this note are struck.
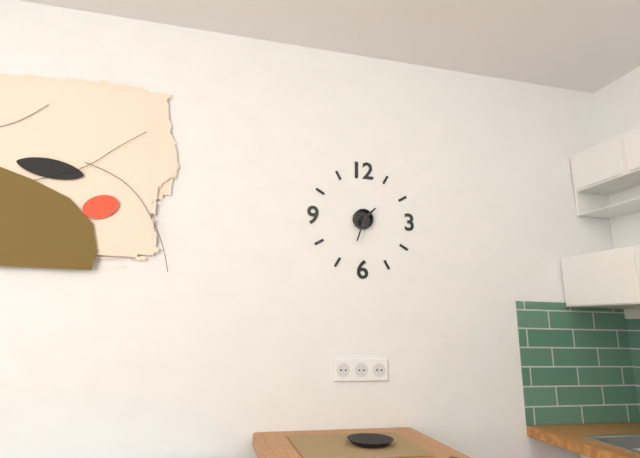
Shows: 1:33
